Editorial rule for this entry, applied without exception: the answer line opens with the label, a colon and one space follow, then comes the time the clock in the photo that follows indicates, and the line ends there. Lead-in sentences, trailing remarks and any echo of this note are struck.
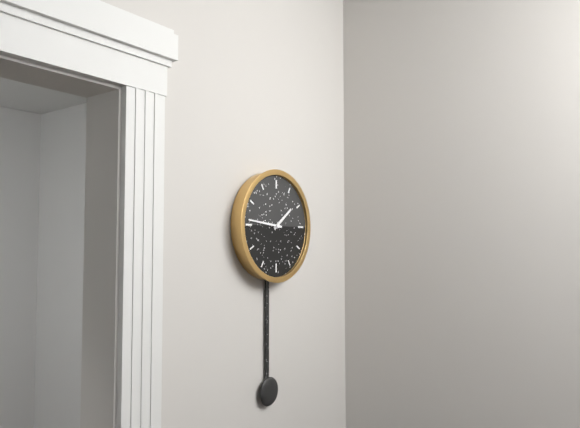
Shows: 1:46
